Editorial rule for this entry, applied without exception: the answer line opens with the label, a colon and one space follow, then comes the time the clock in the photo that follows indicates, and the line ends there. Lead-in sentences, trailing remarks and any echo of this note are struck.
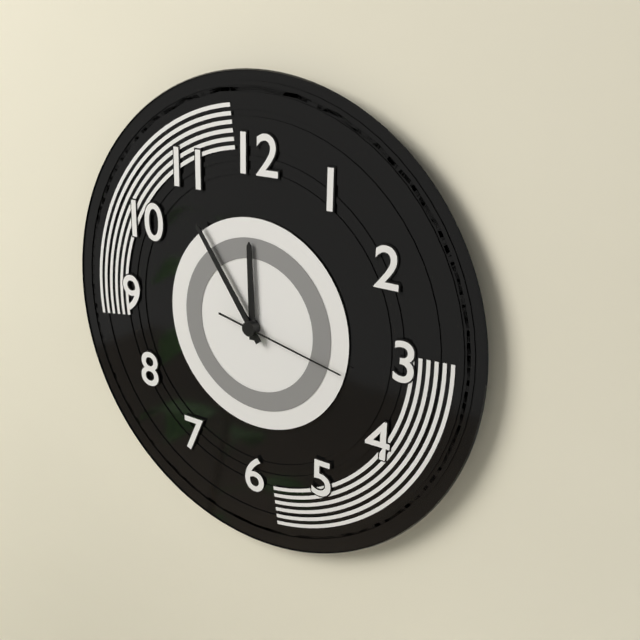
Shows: 11:54:17
